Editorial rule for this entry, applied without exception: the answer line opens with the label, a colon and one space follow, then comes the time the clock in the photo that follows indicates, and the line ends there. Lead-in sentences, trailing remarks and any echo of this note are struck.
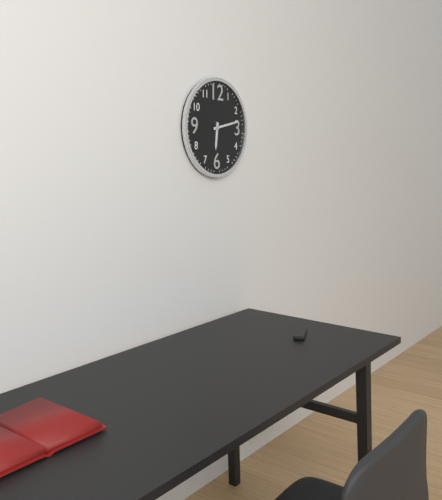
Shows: 6:13
